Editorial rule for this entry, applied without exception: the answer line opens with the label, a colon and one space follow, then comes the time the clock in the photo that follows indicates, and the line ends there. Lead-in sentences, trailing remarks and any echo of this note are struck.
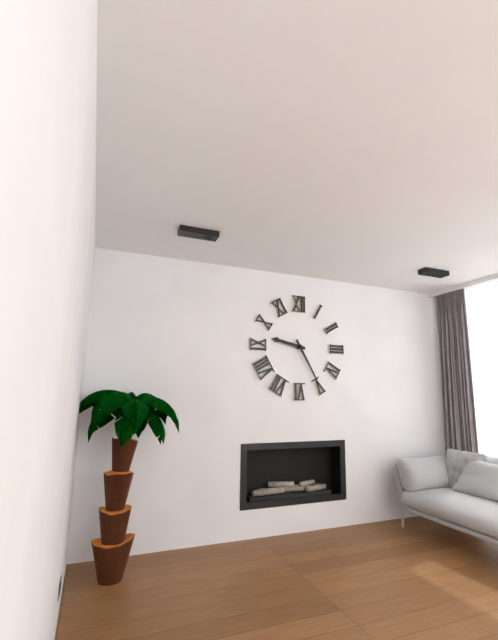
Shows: 9:25
